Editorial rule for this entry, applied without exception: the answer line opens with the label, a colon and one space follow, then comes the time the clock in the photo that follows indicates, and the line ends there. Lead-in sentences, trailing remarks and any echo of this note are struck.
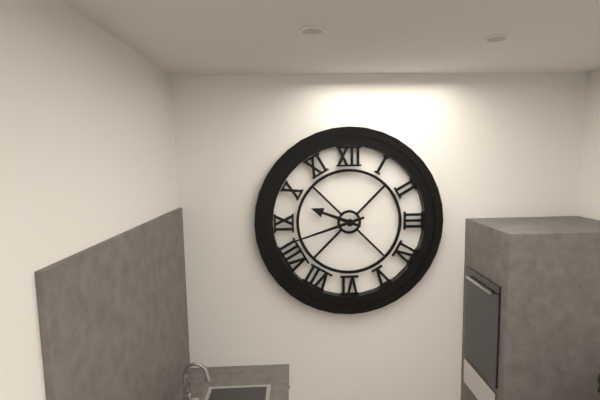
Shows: 9:42
